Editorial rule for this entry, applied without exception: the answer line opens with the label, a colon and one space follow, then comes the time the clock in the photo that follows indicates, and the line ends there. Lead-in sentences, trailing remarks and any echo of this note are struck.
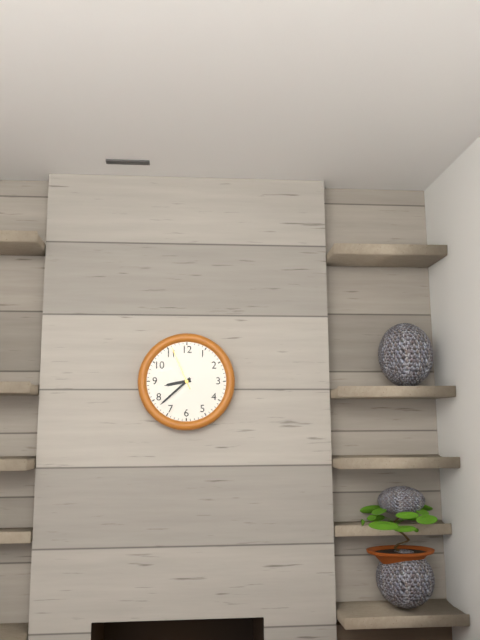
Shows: 8:38
